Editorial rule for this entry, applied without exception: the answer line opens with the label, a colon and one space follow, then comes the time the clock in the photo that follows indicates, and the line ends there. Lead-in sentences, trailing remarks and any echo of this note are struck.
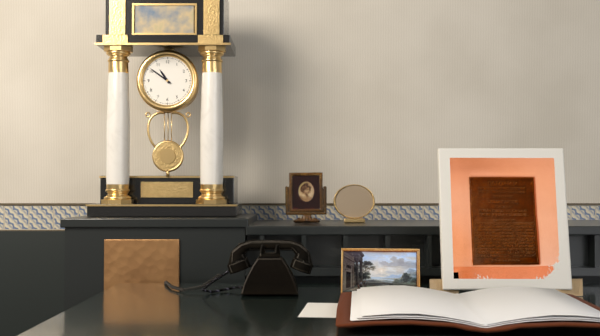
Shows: 10:51
